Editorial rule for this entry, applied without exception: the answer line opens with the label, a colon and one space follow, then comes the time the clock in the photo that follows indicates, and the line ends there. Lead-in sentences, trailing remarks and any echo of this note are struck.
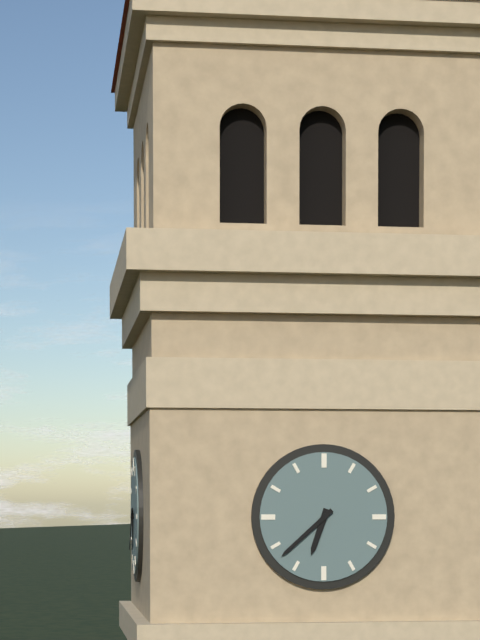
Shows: 6:38
